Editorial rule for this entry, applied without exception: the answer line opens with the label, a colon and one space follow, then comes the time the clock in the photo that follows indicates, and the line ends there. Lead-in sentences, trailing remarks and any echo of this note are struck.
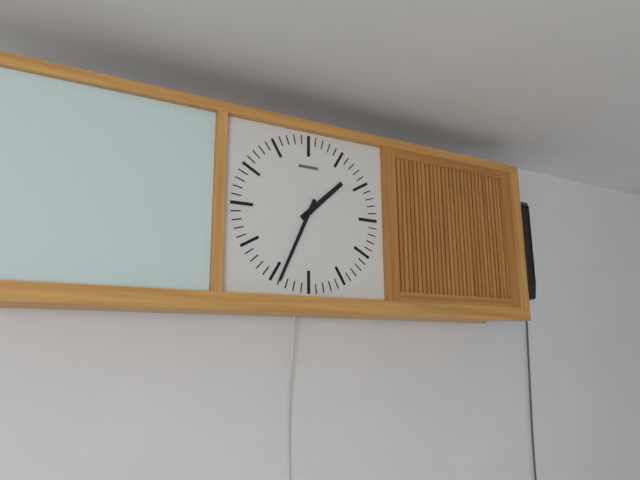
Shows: 1:34
